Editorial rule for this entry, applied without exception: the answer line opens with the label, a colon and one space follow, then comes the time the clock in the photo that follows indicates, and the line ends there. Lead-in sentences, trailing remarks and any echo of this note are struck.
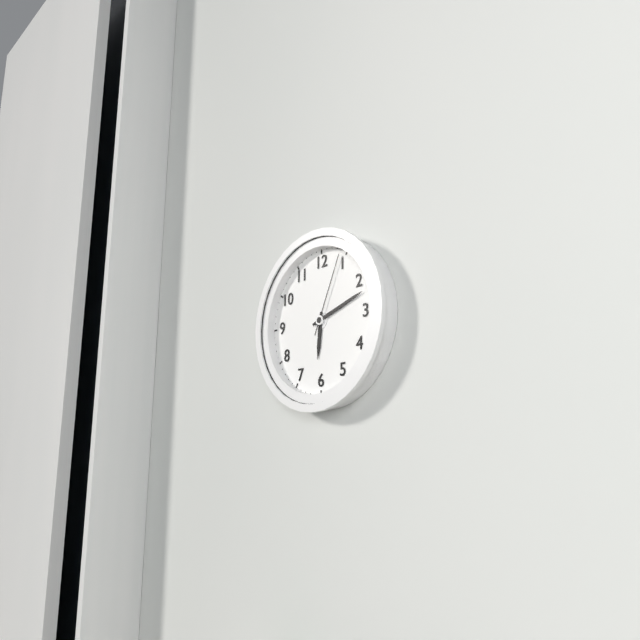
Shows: 6:12:04
